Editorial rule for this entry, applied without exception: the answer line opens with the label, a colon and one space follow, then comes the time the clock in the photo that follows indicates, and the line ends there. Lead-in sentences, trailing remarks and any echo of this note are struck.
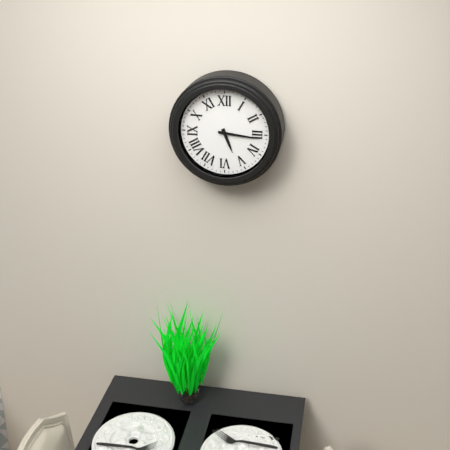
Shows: 5:16
